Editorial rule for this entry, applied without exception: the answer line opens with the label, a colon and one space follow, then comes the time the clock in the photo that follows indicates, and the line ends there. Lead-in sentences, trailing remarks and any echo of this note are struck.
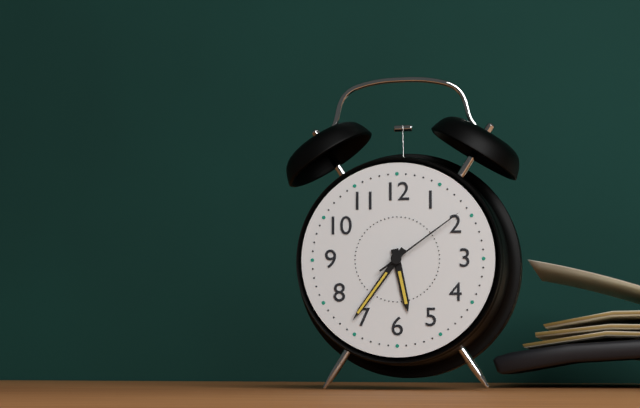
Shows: 5:36:09
